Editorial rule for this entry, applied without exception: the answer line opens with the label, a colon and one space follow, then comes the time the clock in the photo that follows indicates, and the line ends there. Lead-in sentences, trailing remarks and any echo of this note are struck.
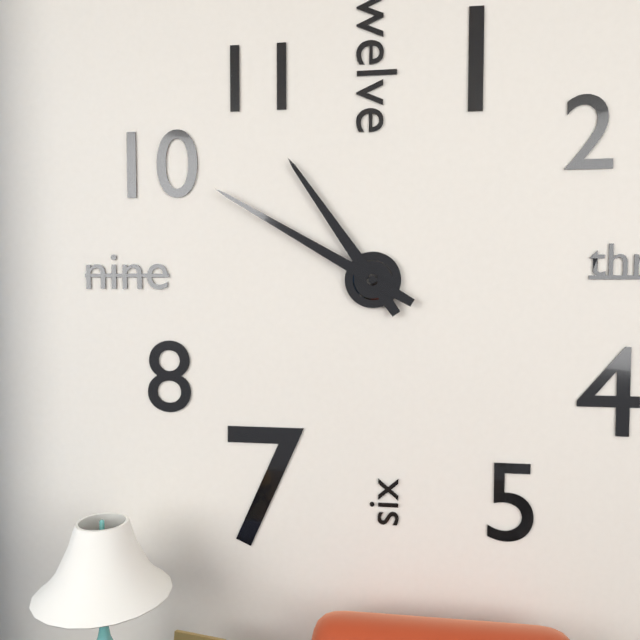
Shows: 10:50
